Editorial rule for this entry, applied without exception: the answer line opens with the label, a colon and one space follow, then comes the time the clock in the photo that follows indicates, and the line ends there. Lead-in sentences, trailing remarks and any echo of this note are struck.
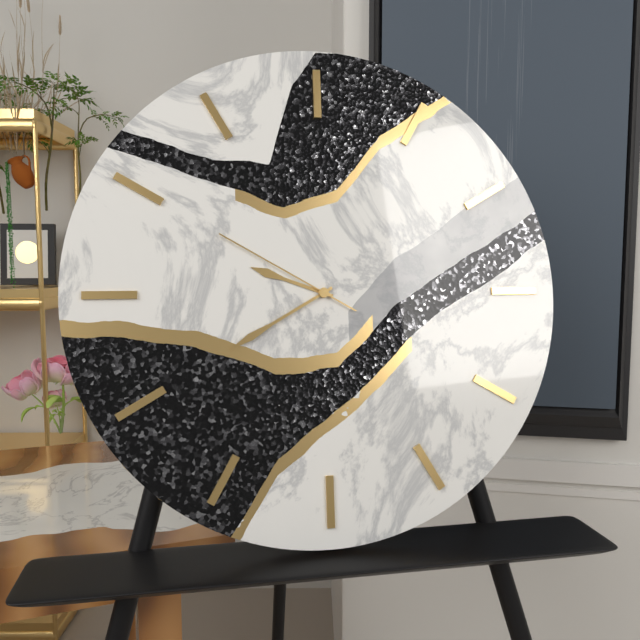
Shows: 9:40:50
